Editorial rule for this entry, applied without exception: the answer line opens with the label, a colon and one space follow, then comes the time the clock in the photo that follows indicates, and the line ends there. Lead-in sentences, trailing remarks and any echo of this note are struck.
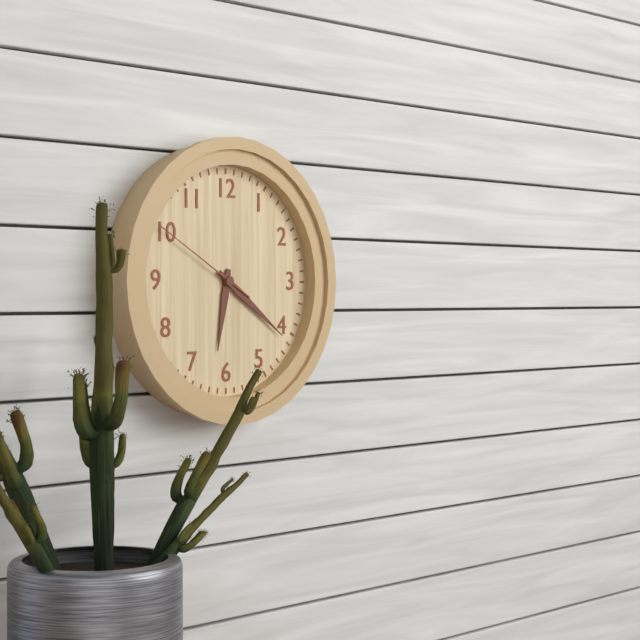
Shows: 6:21:50
